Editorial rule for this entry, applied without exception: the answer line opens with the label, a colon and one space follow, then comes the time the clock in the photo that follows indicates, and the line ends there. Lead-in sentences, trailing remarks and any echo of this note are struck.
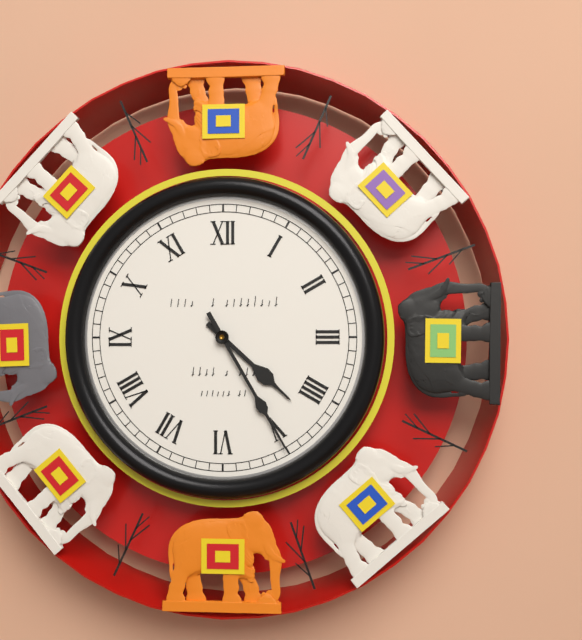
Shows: 4:25
